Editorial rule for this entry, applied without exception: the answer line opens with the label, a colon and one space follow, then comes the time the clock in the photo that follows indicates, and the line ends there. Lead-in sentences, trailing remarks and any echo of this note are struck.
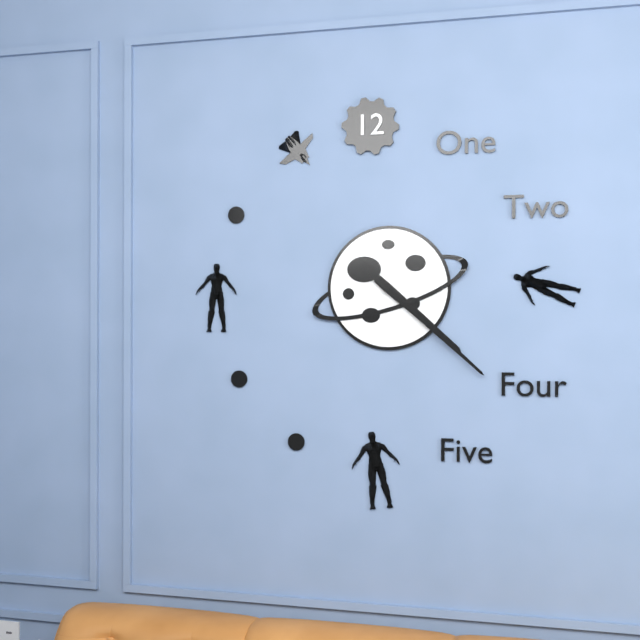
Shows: 4:22
